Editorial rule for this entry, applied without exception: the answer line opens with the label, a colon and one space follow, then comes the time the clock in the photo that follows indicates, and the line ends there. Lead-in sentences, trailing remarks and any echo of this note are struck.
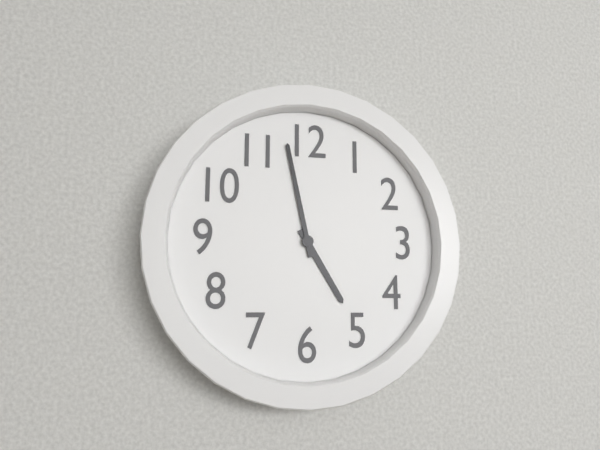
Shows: 4:58
